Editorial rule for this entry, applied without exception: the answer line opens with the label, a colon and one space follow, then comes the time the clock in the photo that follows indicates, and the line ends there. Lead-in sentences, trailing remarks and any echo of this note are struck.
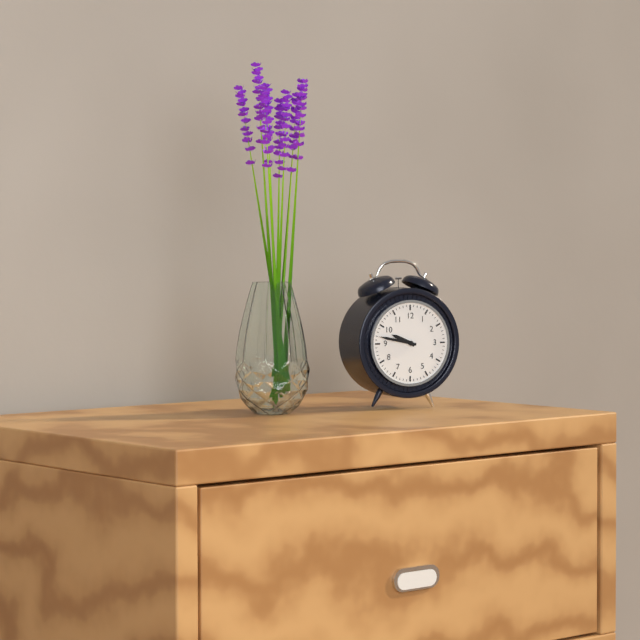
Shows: 9:47
